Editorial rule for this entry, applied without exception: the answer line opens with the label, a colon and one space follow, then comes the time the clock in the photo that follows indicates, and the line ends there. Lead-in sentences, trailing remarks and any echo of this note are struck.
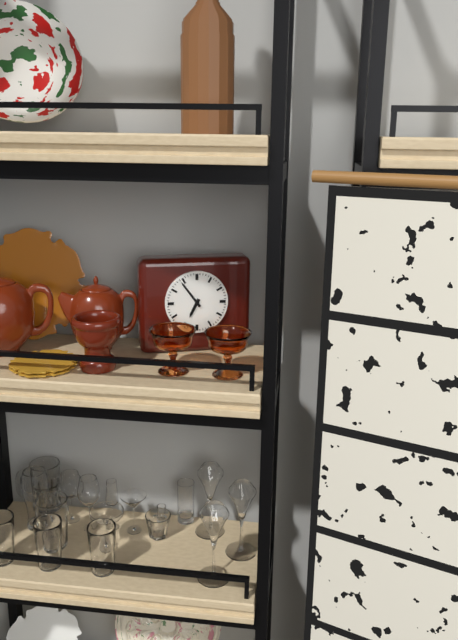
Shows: 6:54
